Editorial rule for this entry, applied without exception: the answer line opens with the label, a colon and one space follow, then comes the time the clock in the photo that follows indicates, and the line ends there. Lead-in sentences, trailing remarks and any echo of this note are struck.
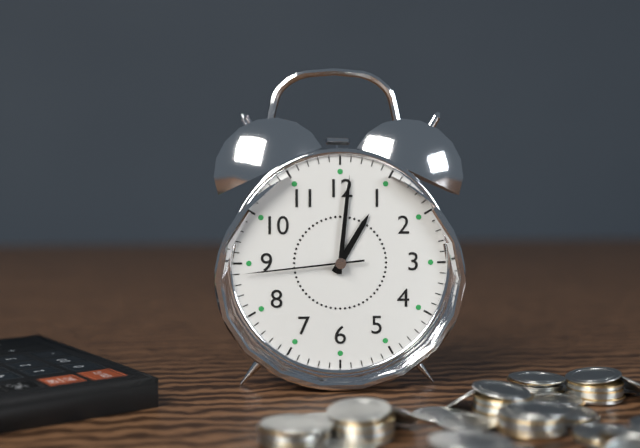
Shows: 1:01:44
